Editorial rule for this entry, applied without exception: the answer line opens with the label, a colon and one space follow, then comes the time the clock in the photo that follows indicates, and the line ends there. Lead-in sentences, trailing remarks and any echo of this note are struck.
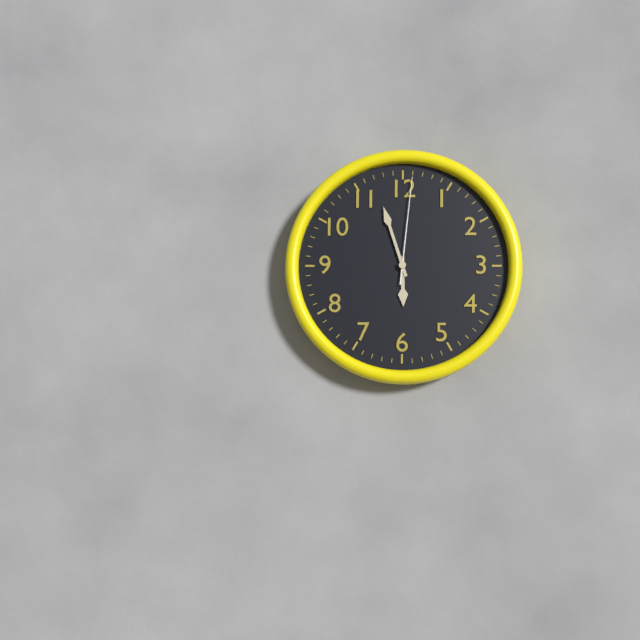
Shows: 5:57:01
